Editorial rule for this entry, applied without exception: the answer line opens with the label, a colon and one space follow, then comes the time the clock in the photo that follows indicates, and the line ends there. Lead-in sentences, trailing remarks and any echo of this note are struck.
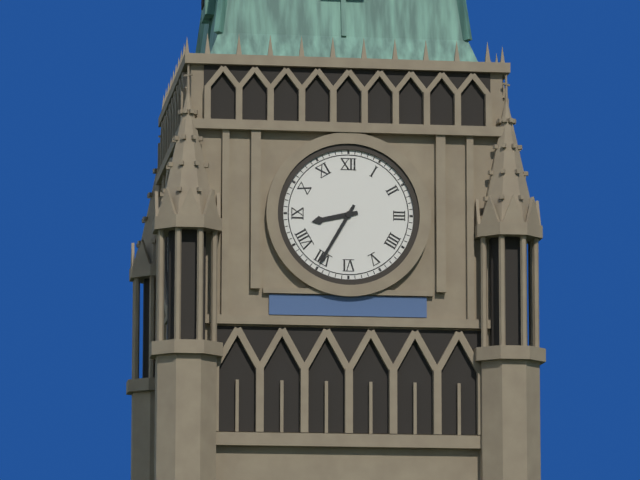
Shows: 8:35
